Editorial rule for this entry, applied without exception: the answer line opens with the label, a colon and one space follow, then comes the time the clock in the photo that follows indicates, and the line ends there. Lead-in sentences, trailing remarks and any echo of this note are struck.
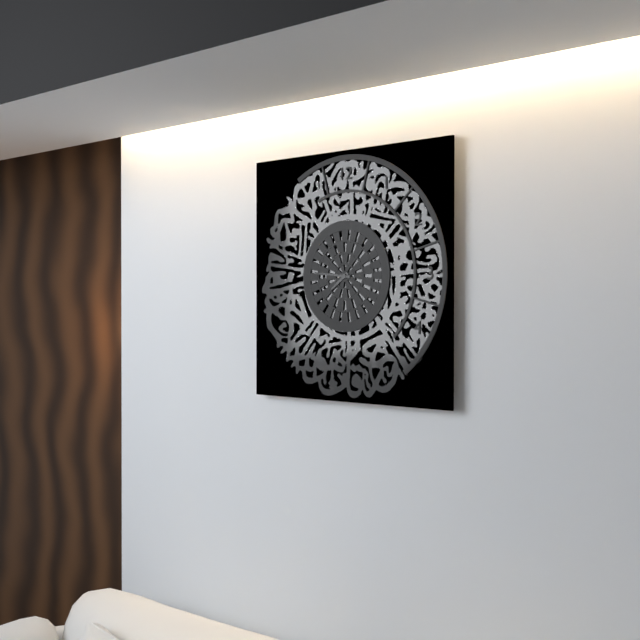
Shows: 7:46
